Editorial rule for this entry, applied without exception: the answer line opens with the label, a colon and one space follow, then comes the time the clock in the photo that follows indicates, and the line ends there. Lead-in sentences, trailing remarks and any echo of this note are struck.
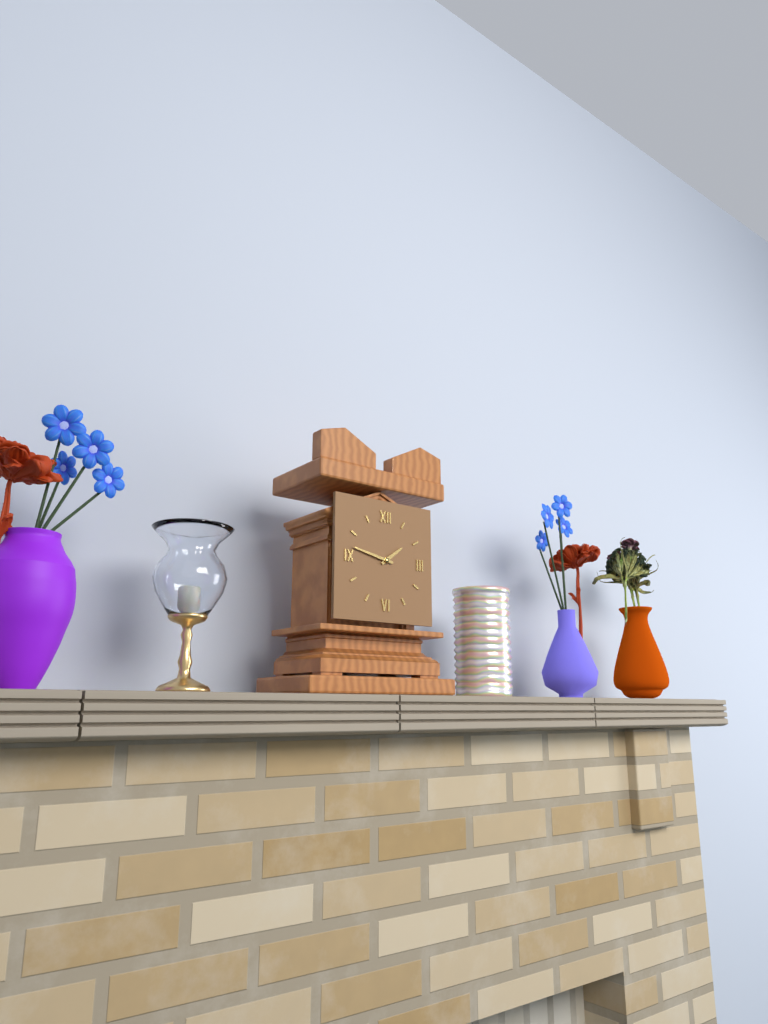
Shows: 1:47
